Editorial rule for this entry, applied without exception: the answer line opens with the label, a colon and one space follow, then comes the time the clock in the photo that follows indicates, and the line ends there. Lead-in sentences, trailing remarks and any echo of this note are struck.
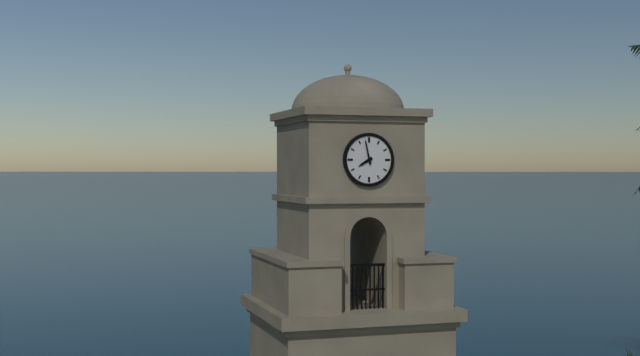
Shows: 7:58
